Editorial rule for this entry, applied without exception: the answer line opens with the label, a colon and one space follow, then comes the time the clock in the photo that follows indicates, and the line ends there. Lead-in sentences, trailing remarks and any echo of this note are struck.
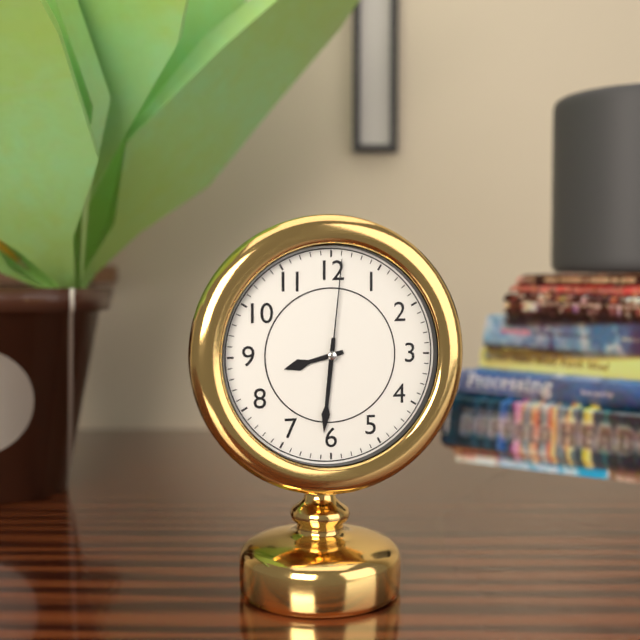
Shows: 8:31:01
